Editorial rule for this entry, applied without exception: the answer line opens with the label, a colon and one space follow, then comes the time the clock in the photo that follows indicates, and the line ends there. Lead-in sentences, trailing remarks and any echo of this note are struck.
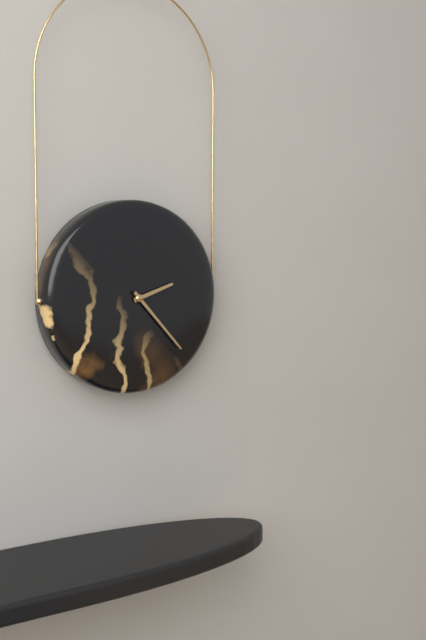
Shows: 2:23
